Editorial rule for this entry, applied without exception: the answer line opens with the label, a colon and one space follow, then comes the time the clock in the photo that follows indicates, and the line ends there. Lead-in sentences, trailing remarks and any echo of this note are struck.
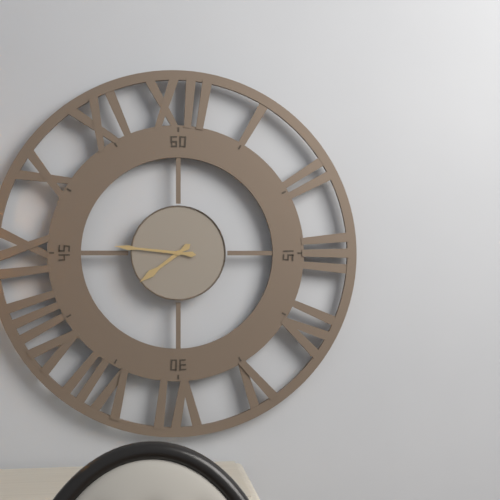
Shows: 7:46
